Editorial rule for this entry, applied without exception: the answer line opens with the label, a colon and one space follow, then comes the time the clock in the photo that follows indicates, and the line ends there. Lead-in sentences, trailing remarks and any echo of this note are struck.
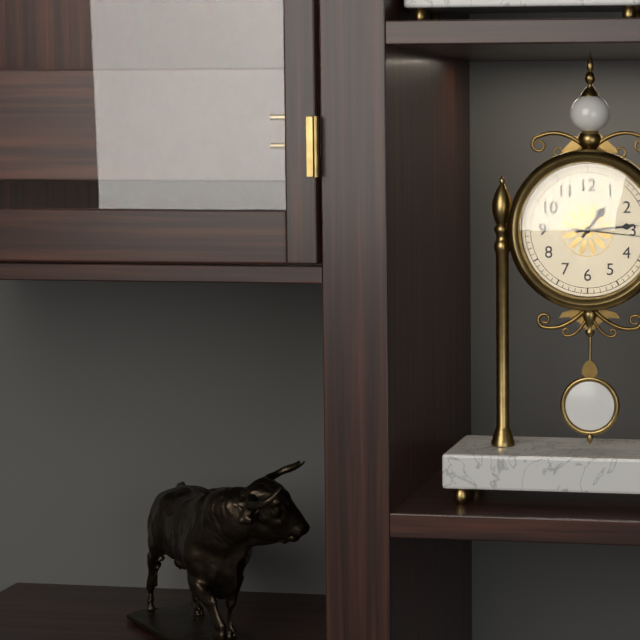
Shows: 1:14
